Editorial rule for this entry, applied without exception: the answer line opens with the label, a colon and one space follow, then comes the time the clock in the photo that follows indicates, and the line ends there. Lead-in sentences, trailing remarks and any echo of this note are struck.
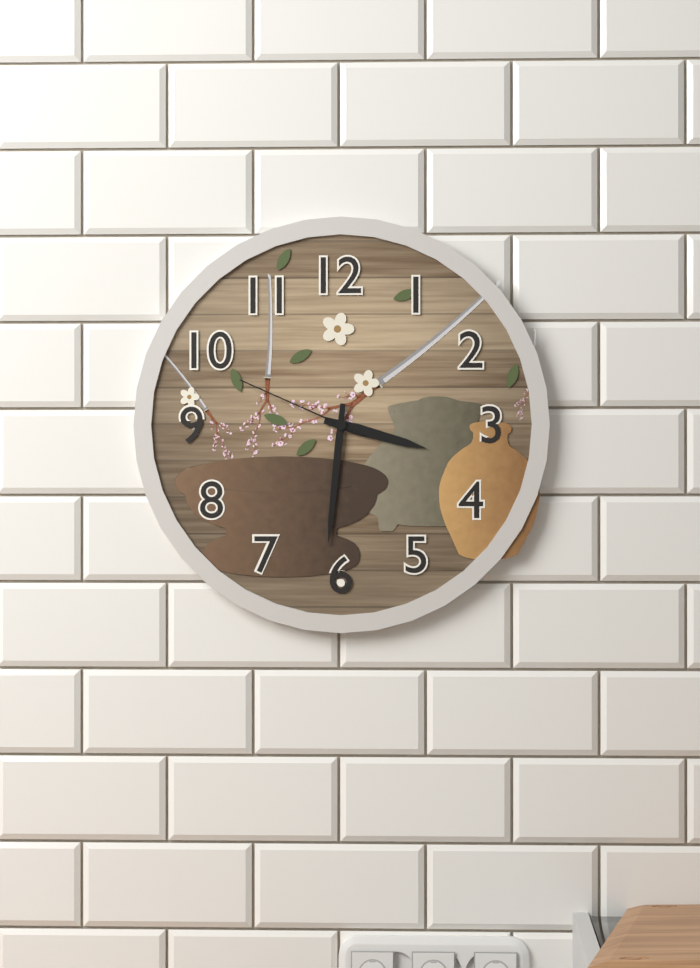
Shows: 3:31:49
